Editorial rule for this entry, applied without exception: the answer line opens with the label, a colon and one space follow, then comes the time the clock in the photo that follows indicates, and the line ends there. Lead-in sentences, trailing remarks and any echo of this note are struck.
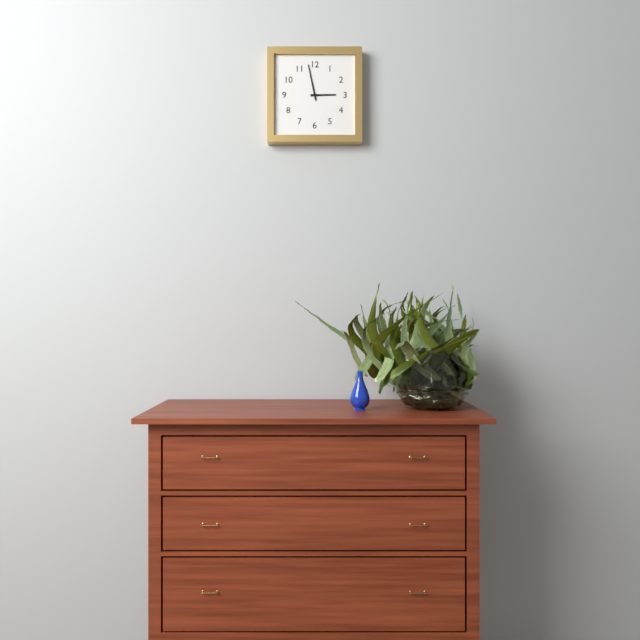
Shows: 2:58
